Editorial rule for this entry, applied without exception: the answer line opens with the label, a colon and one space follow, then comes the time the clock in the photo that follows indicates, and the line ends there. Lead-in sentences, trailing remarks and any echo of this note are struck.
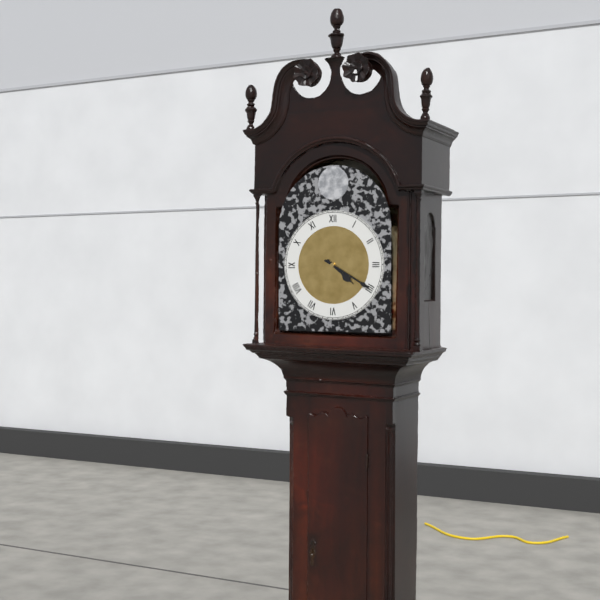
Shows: 4:20
